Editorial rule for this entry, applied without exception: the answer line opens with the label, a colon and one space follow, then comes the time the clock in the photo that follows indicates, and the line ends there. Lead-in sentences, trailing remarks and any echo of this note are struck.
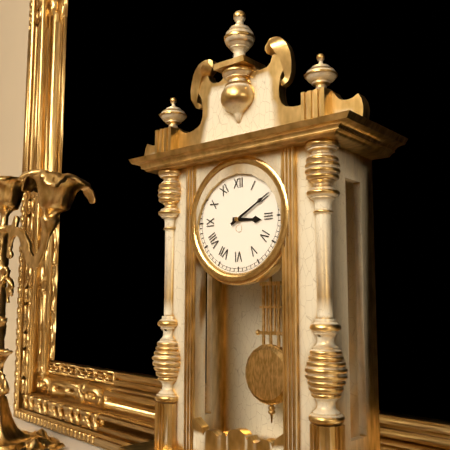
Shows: 3:10
